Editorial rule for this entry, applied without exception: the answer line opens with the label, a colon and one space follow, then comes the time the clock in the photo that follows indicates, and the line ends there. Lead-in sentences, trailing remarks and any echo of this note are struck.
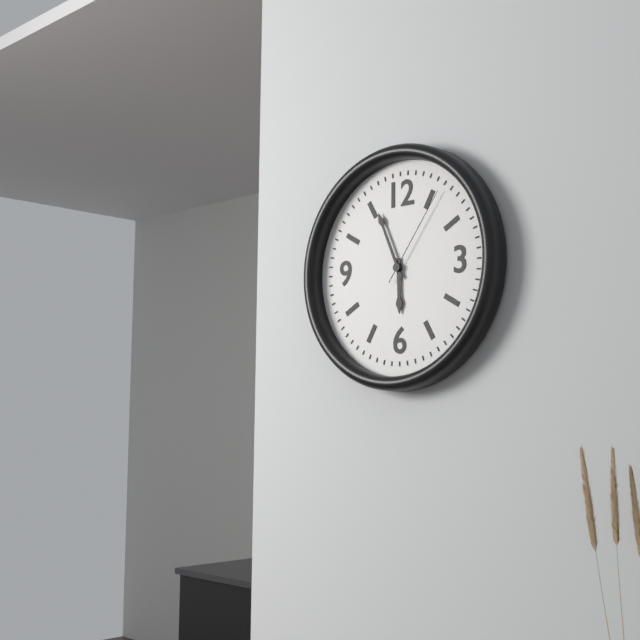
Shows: 5:56:06
